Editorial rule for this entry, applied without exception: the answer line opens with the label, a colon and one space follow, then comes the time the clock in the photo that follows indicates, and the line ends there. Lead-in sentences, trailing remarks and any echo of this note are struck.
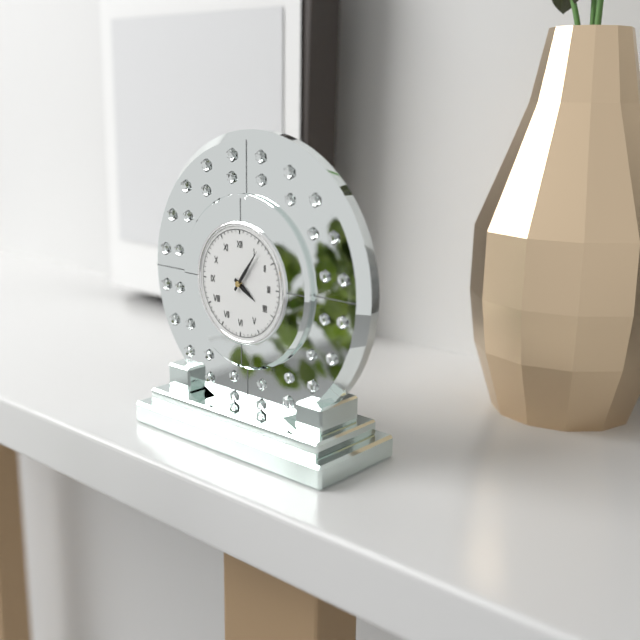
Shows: 4:06
